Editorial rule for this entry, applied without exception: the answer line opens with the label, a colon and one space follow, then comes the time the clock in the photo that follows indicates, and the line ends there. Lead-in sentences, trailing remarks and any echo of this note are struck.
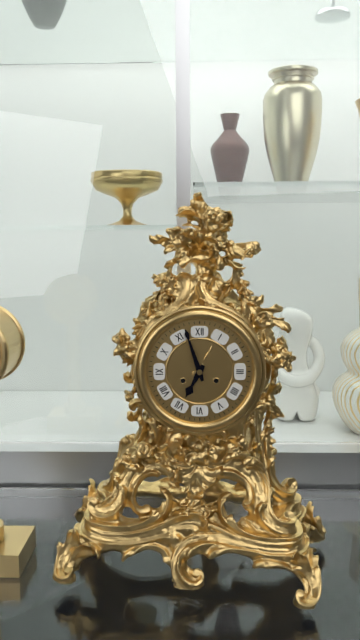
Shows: 6:57
